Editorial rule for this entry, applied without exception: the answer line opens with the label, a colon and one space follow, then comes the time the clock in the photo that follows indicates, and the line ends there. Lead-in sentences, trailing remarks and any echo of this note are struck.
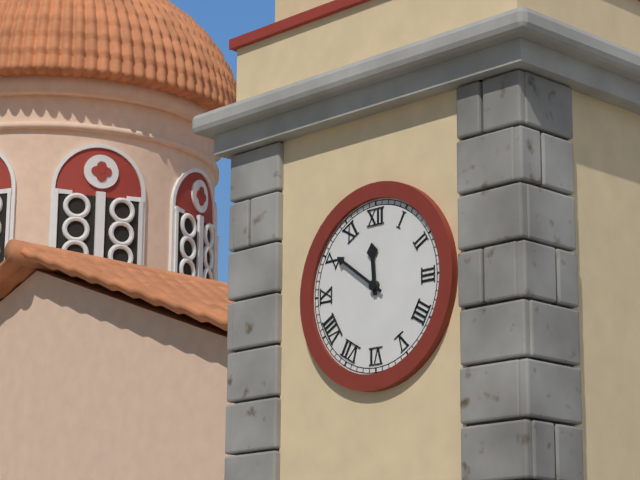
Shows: 11:51
